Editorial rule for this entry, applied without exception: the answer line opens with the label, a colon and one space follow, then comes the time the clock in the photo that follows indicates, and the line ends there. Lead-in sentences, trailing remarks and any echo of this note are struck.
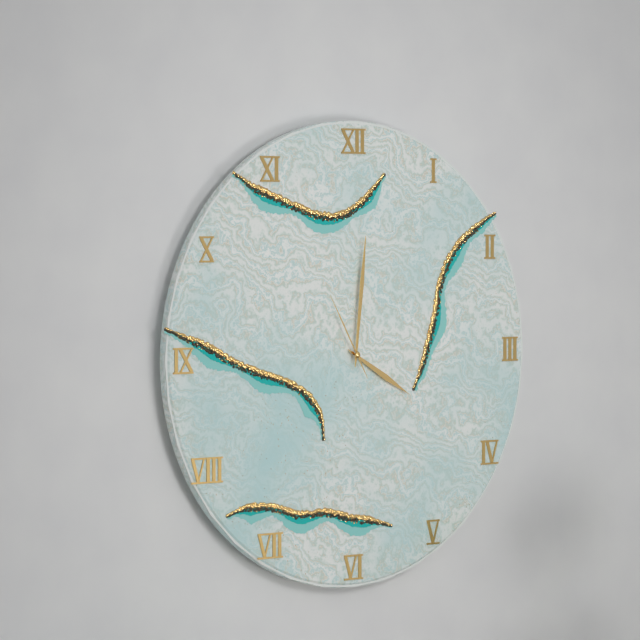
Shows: 4:01:55
